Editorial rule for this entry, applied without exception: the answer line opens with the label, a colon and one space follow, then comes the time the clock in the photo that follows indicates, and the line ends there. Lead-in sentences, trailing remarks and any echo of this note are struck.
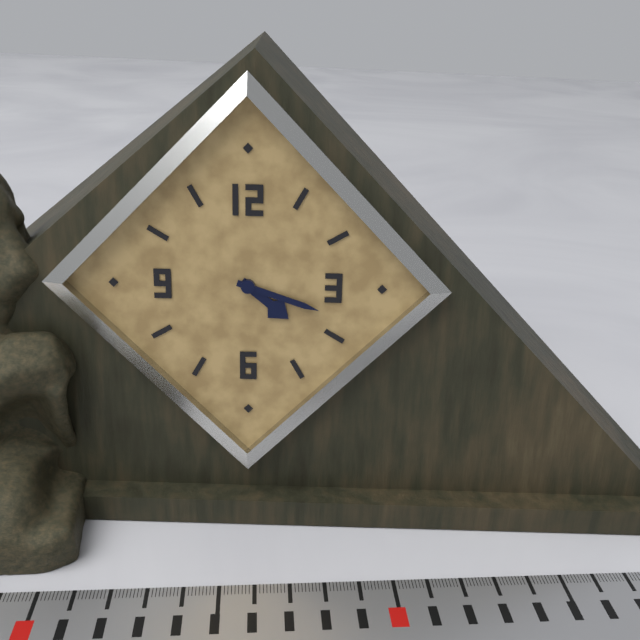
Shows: 4:18
